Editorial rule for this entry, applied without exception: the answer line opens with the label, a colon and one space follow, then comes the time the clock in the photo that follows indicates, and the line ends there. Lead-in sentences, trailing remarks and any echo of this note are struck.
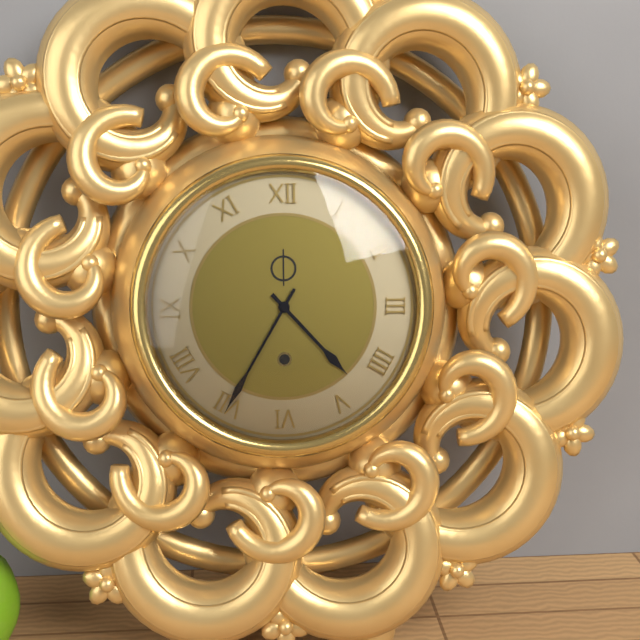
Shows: 4:35
